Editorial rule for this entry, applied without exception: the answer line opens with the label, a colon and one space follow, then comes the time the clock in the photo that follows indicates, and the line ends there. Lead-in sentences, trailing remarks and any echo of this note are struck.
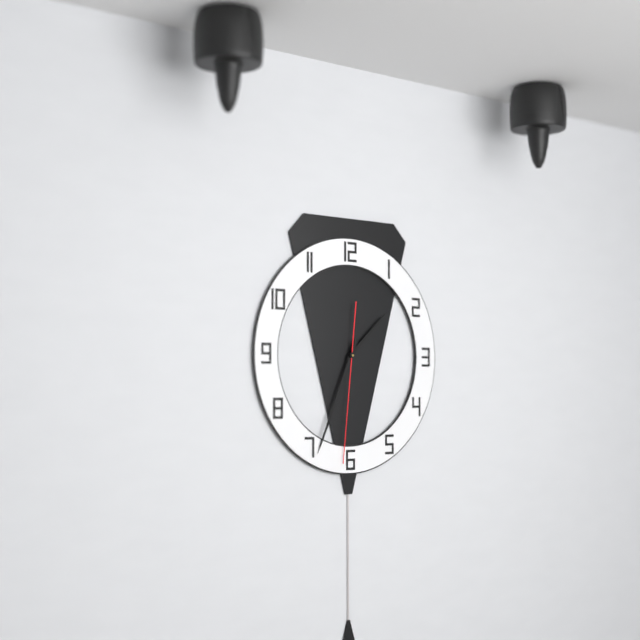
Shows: 1:34:31
